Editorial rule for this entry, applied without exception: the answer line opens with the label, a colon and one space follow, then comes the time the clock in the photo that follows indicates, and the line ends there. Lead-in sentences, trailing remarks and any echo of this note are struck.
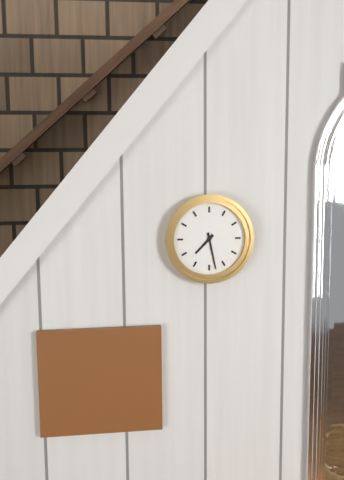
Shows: 7:28
